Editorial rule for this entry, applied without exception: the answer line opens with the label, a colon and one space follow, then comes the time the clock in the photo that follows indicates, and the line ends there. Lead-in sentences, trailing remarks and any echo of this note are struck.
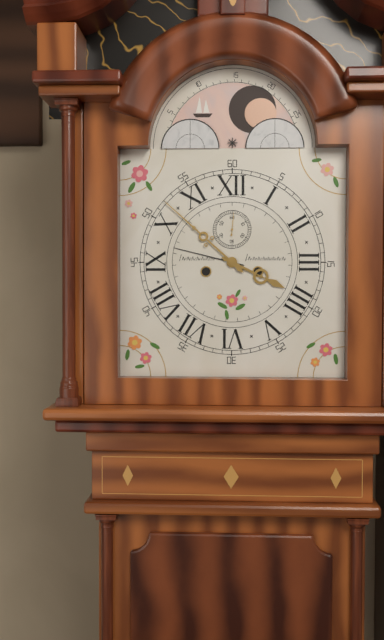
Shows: 3:52
